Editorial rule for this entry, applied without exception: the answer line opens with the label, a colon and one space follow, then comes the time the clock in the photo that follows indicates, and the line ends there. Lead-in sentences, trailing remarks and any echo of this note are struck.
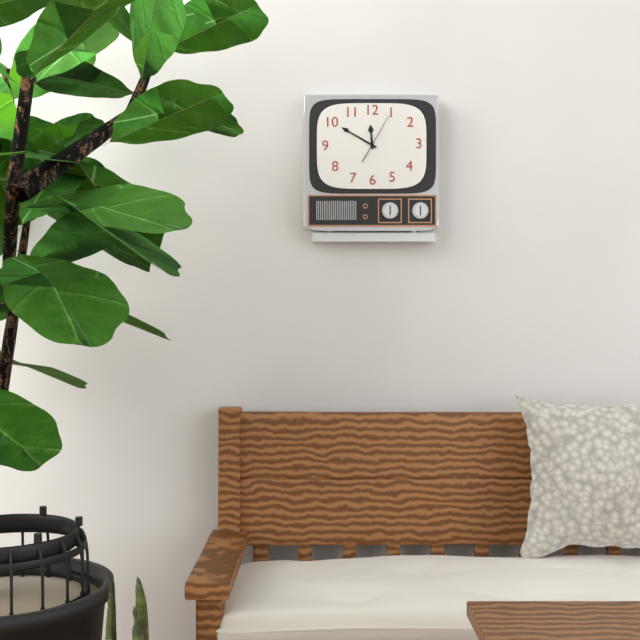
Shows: 11:50
